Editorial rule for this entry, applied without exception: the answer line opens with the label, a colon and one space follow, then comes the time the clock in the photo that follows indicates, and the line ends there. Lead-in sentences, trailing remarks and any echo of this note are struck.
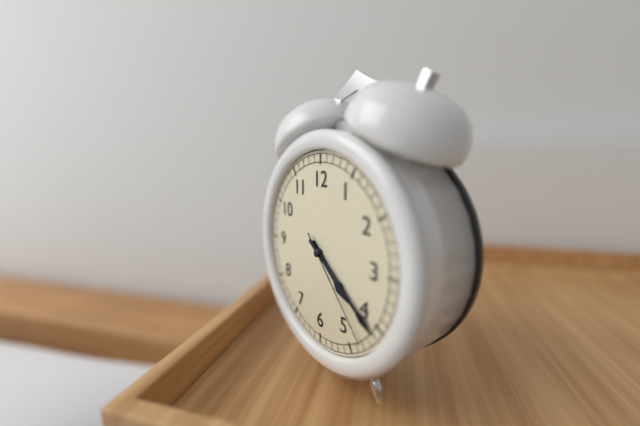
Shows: 4:21:23
